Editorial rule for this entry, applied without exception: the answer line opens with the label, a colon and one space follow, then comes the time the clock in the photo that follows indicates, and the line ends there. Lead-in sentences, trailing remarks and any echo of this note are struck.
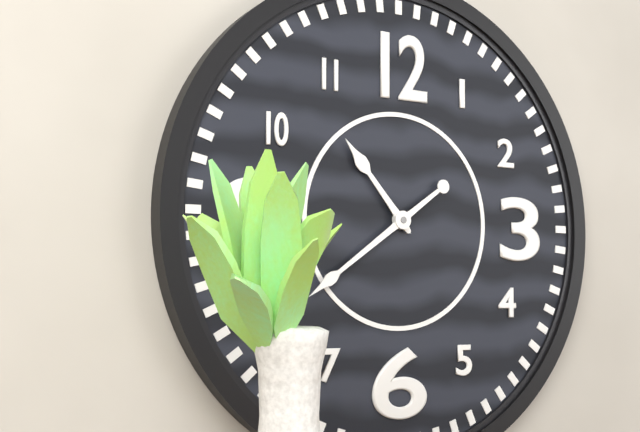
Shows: 10:39
